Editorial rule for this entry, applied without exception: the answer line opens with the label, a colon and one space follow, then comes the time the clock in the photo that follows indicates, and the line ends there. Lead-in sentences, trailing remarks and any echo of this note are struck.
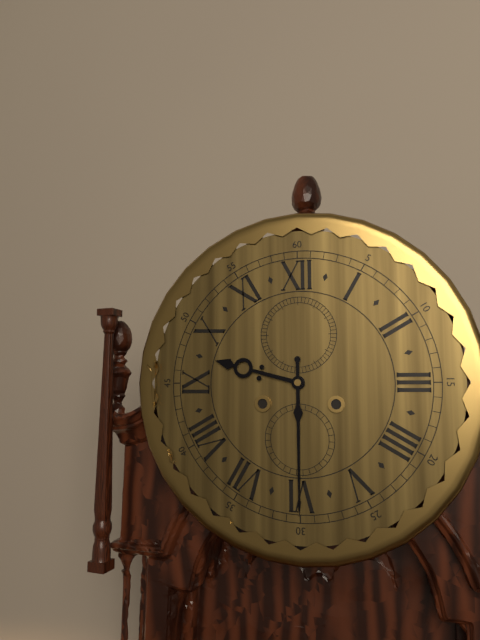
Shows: 9:30
